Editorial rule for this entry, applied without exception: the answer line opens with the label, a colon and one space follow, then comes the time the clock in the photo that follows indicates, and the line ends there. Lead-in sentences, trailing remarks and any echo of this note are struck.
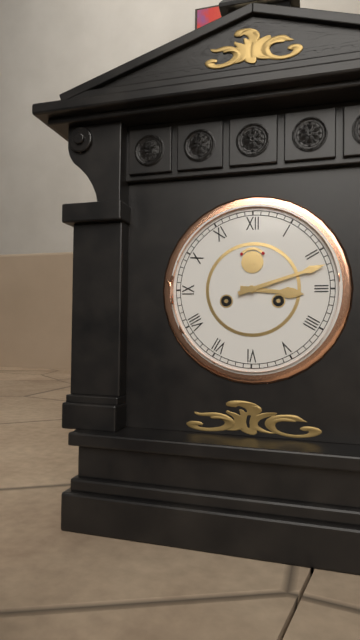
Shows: 3:12
